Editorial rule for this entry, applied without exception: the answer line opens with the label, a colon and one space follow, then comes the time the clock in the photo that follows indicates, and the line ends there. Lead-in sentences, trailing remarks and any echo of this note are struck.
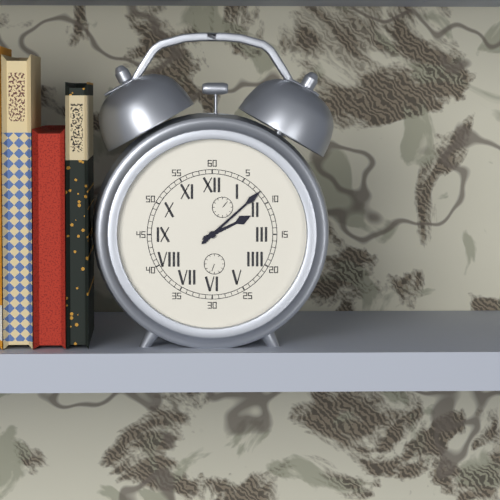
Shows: 2:08
